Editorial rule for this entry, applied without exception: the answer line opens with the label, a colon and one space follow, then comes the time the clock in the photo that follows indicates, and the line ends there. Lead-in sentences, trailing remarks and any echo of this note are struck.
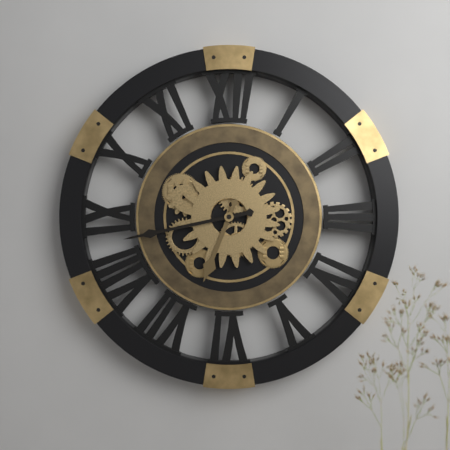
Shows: 6:43
